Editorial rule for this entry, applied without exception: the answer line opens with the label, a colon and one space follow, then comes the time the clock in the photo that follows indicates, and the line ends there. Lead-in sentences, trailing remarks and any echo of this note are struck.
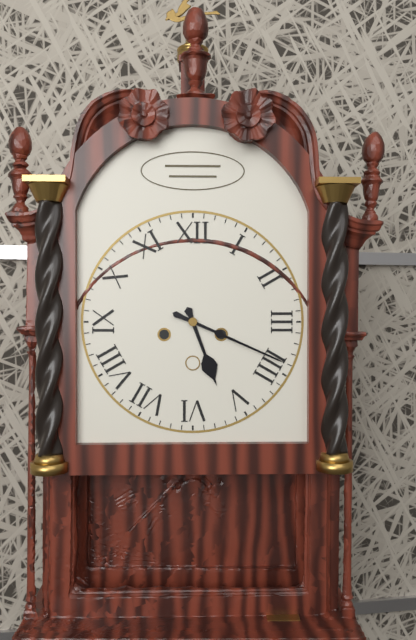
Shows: 5:19
